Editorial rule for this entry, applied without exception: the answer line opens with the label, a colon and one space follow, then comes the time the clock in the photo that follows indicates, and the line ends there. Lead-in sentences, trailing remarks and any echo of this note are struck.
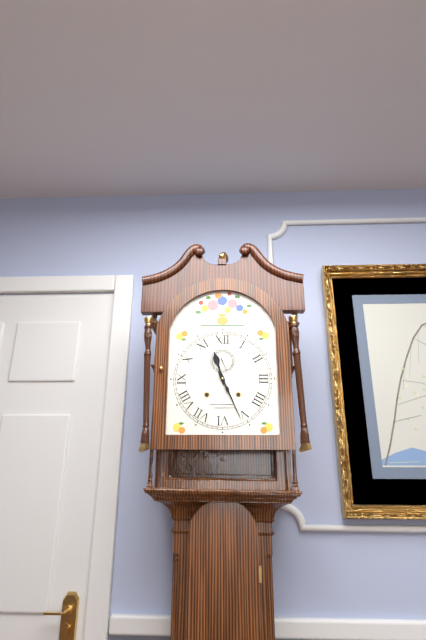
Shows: 11:26
